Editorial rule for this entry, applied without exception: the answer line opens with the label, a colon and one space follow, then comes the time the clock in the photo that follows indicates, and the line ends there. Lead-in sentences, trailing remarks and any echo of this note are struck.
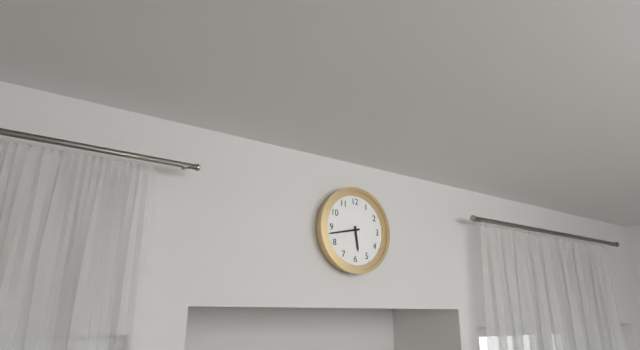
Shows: 5:43
